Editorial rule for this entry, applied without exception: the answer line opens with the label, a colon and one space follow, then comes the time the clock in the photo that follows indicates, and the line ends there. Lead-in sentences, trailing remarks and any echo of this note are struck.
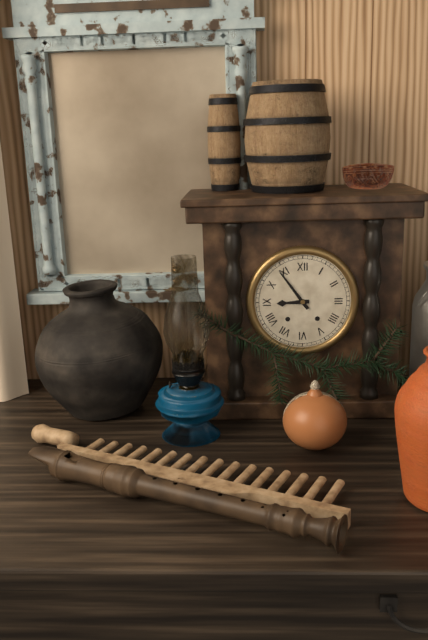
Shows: 8:54
